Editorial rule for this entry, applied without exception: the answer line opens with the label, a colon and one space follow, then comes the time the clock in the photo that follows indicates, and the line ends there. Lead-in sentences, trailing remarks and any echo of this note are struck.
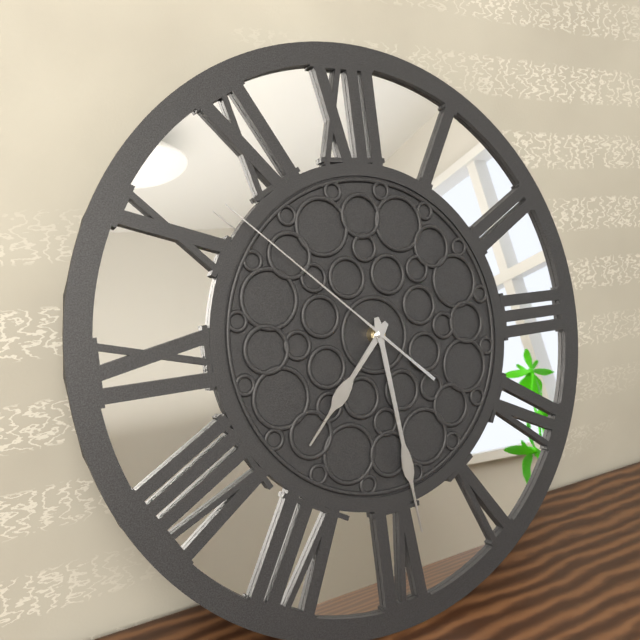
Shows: 7:29:52
